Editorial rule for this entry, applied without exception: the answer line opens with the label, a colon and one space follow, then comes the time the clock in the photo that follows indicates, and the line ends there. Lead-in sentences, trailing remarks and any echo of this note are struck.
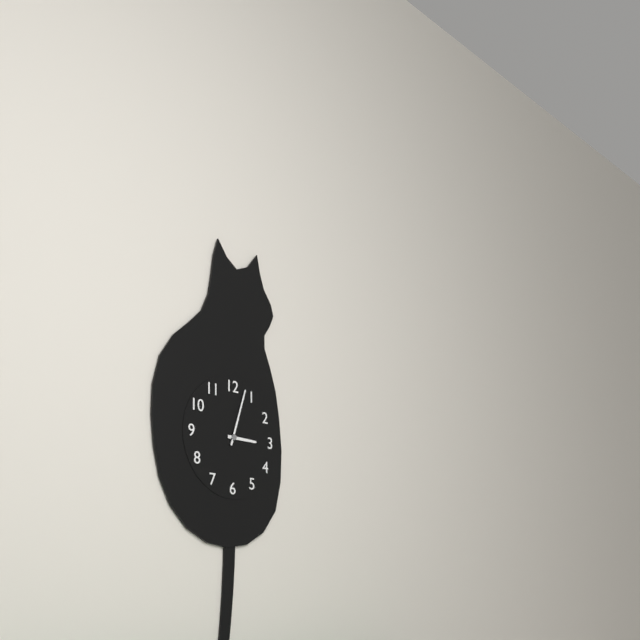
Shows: 3:03
